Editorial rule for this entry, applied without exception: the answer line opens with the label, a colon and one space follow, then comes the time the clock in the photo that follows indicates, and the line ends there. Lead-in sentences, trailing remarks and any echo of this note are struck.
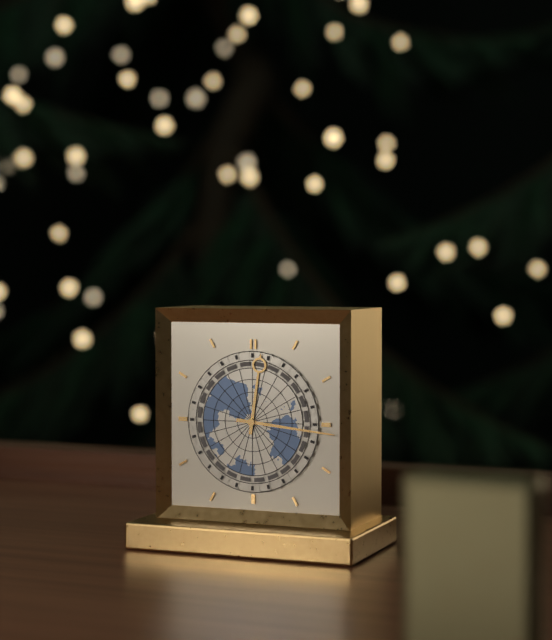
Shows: 12:16
